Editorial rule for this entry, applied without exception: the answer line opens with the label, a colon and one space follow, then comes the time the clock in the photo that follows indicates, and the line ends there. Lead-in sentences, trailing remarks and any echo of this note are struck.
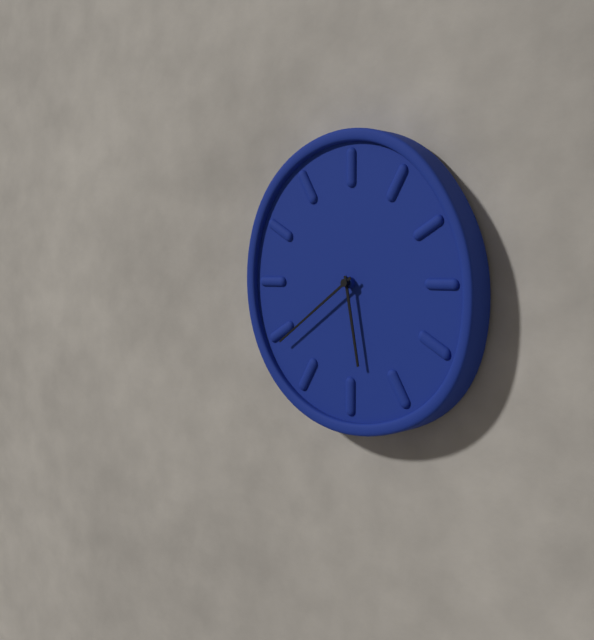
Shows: 5:39
